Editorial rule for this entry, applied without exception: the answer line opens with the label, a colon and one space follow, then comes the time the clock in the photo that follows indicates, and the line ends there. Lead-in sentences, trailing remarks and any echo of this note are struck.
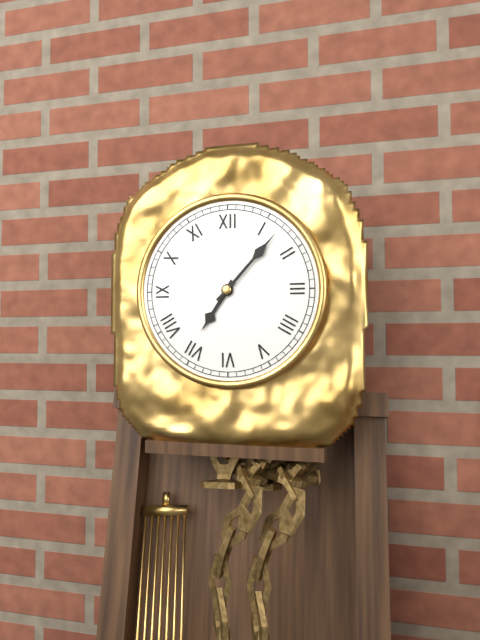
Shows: 7:07
